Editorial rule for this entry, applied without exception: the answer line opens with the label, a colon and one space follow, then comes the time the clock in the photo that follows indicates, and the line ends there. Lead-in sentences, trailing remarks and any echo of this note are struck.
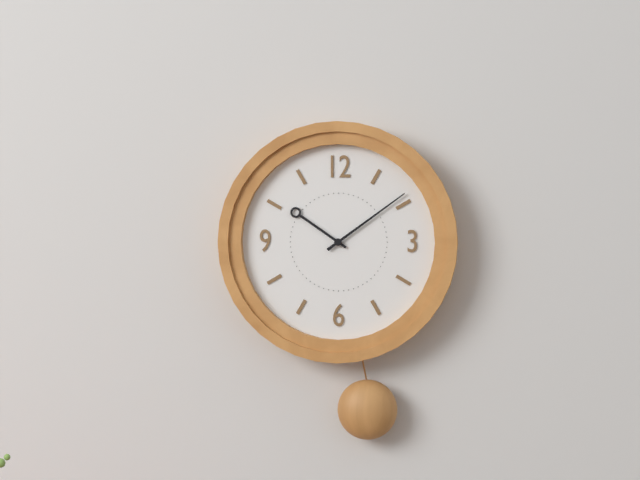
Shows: 10:09
